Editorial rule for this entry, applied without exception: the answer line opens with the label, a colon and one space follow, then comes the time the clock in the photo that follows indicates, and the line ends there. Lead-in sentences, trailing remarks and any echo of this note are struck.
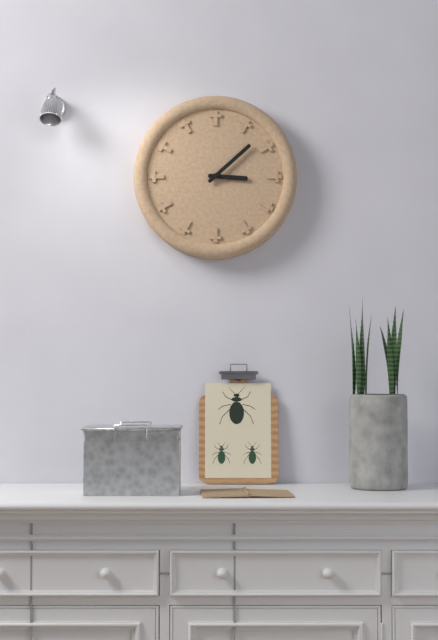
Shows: 3:08
